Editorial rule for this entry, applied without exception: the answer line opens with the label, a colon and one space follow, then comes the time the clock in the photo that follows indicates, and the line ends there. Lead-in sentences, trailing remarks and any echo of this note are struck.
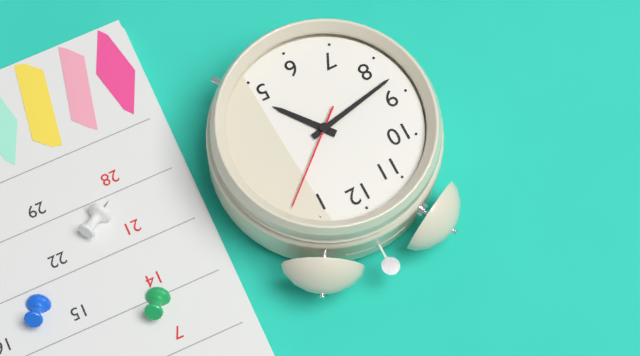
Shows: 4:43:08
